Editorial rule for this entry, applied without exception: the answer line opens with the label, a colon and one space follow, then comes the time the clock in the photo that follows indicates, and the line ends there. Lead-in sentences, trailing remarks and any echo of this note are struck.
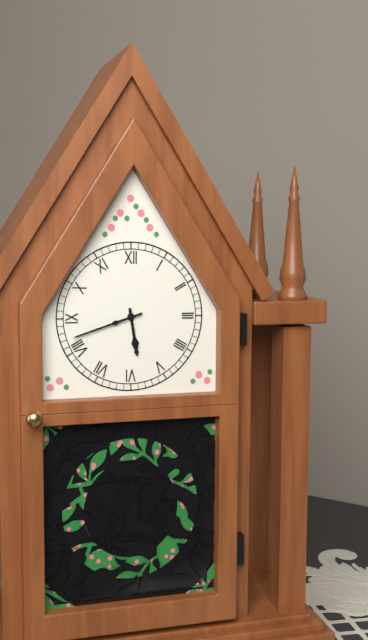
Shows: 5:42
